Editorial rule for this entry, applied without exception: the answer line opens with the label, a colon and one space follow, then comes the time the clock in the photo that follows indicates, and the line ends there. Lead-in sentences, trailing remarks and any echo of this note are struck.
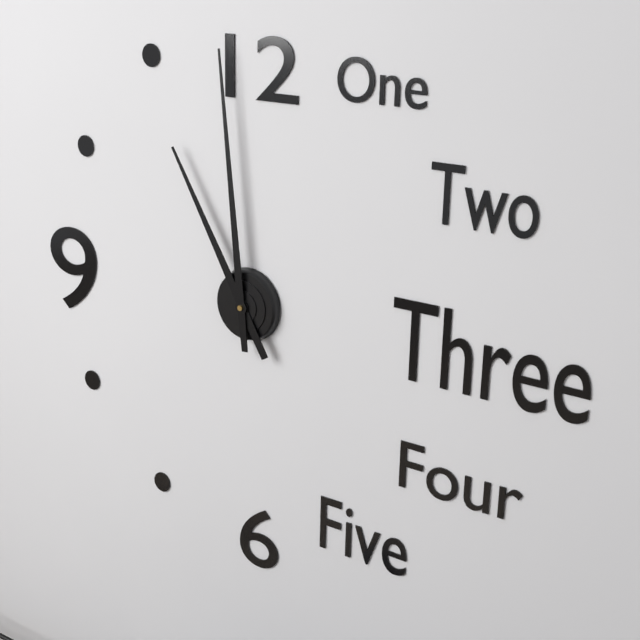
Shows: 10:59
